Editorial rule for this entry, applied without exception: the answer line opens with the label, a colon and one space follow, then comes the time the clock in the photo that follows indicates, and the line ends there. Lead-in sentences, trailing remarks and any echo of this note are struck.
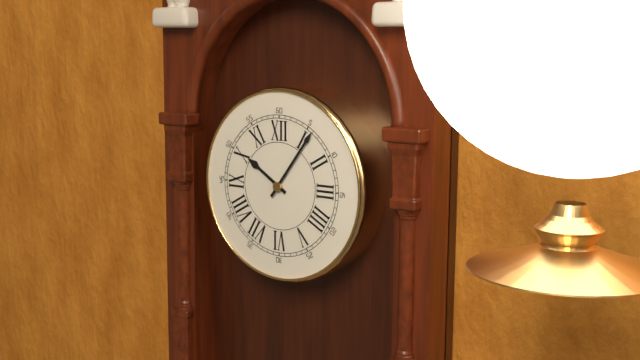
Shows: 10:06
